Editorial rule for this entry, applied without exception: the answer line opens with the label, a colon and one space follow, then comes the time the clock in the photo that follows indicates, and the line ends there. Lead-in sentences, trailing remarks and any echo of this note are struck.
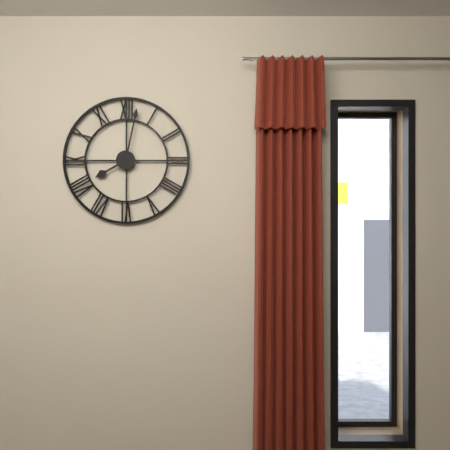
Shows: 8:02
